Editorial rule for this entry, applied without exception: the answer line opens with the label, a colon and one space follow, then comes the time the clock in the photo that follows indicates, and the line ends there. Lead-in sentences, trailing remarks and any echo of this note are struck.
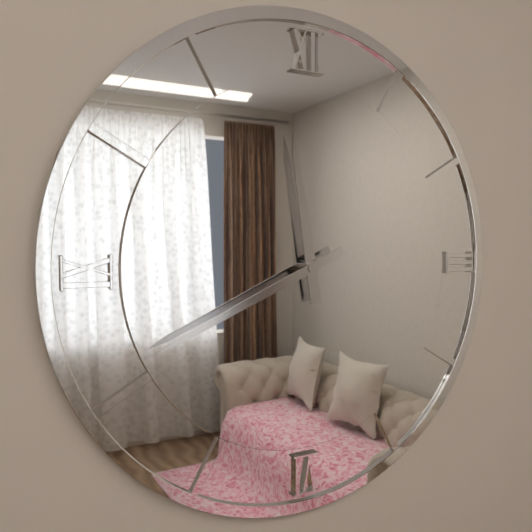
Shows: 11:41
